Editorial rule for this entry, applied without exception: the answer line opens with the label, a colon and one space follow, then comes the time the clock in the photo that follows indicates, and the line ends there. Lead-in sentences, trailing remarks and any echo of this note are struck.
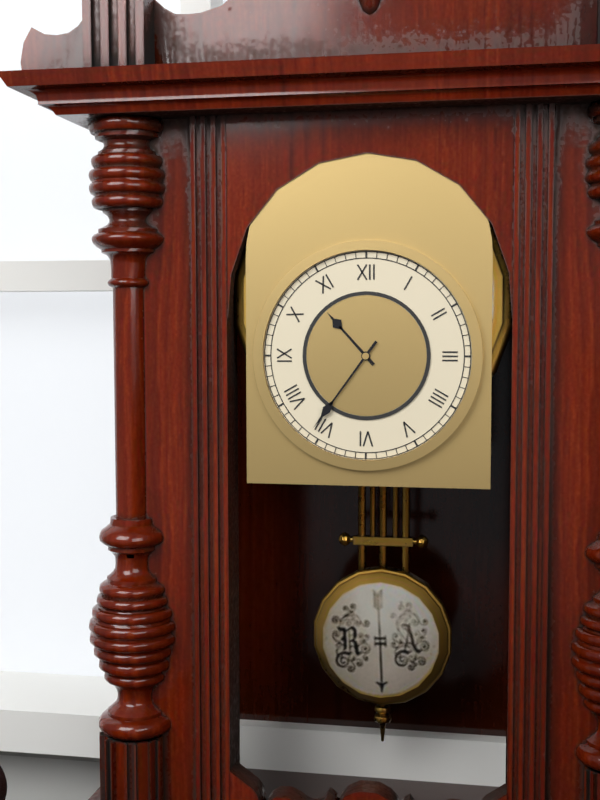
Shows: 10:36
